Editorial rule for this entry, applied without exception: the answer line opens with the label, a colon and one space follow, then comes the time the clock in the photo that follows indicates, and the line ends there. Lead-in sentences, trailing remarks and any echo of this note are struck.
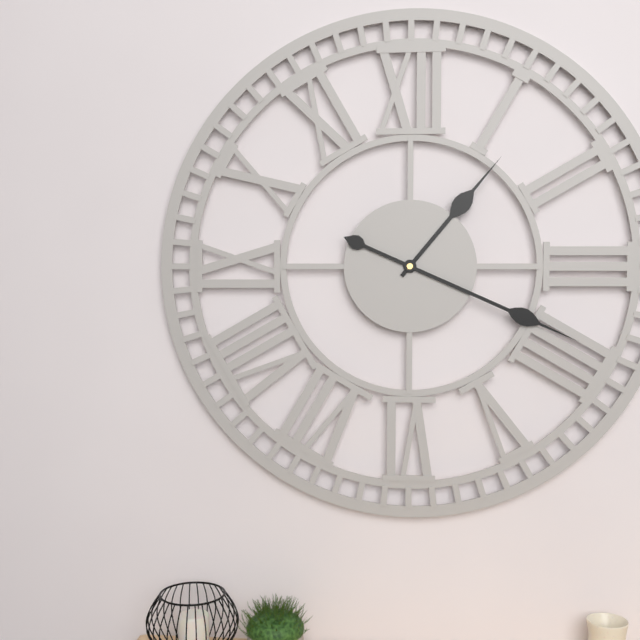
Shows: 1:19
